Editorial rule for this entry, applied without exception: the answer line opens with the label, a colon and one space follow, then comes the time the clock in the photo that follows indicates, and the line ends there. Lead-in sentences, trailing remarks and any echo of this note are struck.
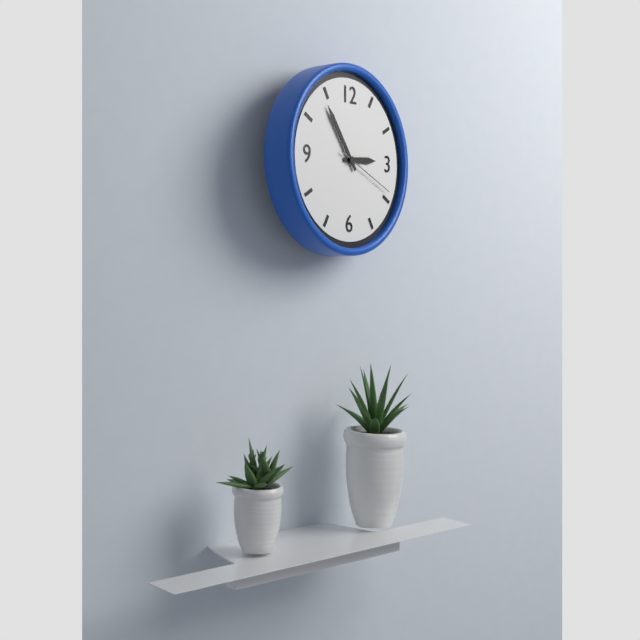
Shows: 2:54:19
